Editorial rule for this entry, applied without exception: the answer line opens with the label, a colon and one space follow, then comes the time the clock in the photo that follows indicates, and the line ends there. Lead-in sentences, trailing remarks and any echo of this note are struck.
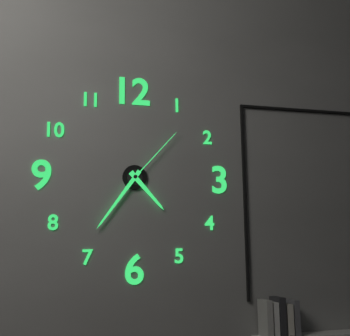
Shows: 4:36:07
